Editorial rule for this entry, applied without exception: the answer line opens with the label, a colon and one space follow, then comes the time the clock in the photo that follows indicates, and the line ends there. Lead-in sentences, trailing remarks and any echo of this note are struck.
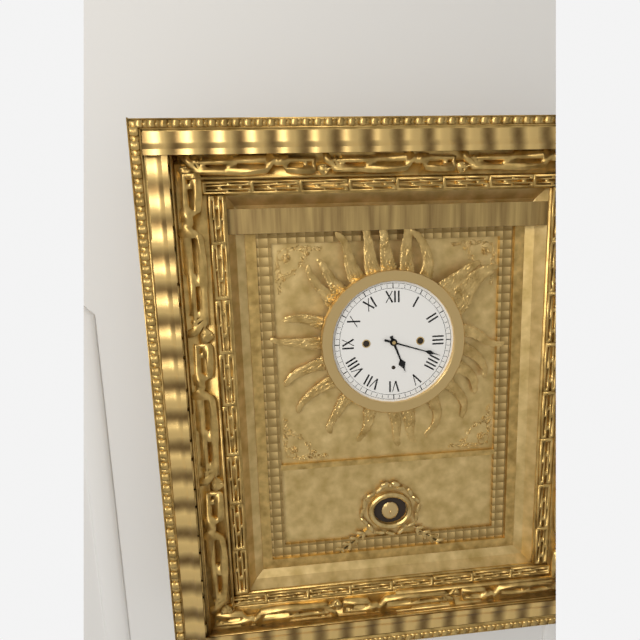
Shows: 5:18
